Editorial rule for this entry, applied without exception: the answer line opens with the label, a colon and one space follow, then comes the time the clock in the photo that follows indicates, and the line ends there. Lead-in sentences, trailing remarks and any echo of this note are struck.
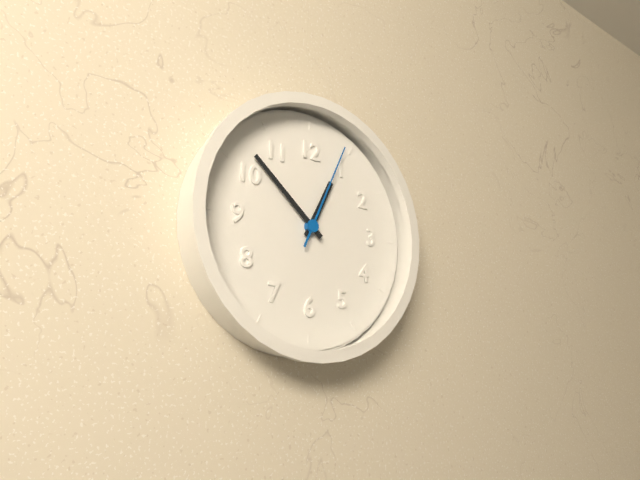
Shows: 12:52:04
